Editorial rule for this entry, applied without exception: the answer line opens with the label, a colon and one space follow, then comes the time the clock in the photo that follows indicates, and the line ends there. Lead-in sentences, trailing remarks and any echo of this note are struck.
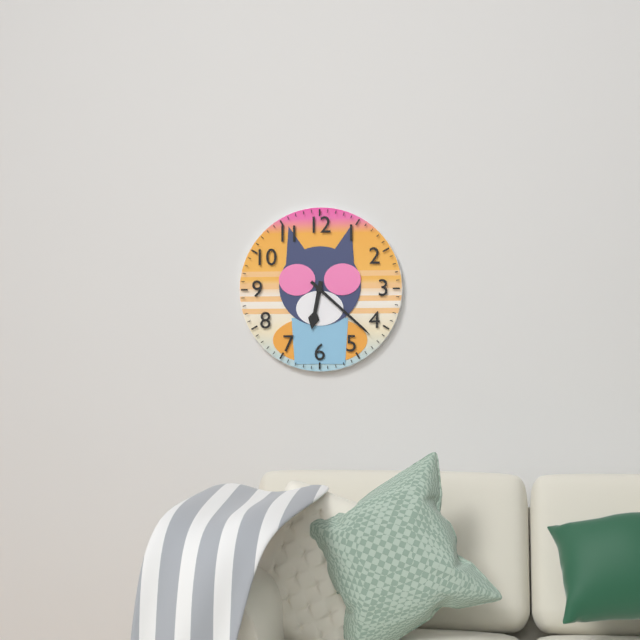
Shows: 6:22
